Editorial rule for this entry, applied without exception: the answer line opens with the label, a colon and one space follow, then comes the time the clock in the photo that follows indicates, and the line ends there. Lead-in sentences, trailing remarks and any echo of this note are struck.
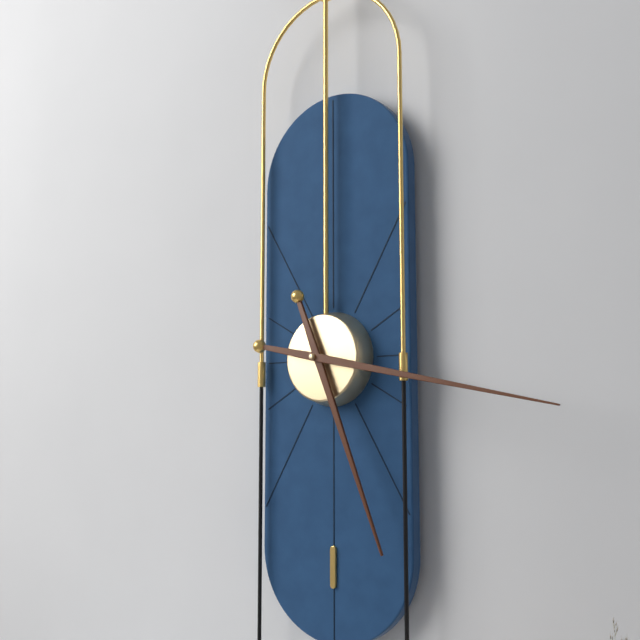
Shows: 5:17
